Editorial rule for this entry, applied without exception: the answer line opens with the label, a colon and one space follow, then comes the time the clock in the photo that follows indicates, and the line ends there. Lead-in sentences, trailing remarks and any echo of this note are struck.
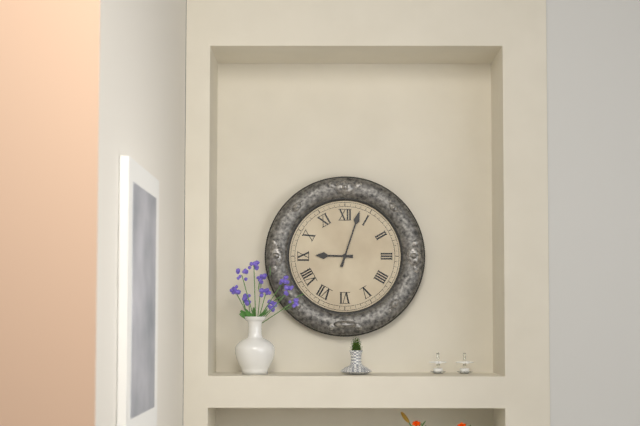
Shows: 9:03
